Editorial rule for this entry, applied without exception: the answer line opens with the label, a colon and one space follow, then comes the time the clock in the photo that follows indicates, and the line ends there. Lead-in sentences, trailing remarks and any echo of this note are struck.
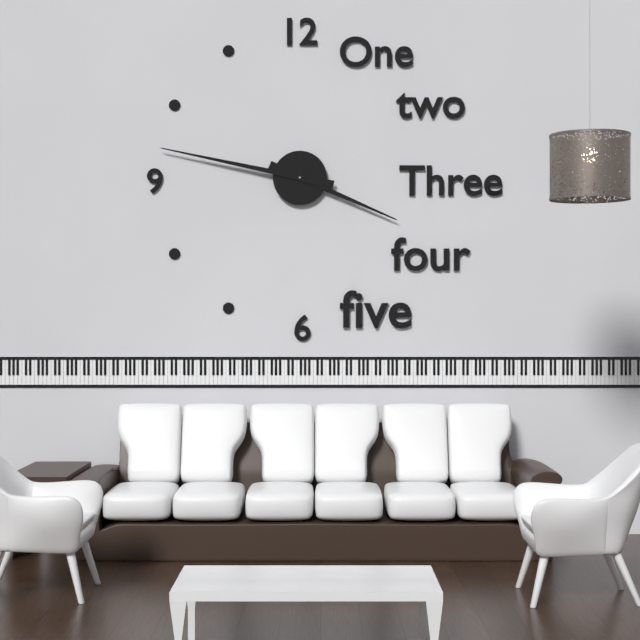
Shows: 3:47
